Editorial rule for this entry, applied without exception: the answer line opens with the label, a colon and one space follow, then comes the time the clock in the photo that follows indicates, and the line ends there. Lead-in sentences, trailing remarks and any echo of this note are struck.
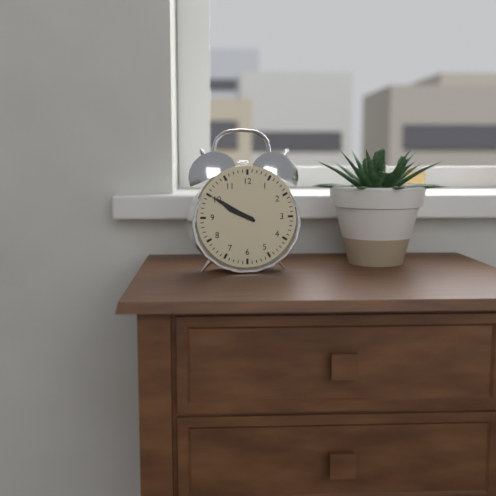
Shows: 9:50
